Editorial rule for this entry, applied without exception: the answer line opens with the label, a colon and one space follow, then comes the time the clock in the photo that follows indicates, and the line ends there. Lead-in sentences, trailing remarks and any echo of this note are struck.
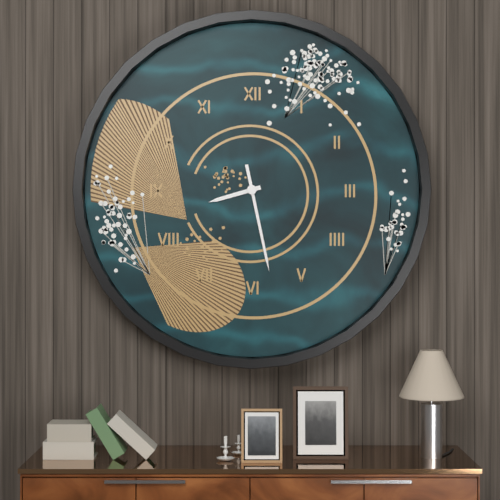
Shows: 8:28
